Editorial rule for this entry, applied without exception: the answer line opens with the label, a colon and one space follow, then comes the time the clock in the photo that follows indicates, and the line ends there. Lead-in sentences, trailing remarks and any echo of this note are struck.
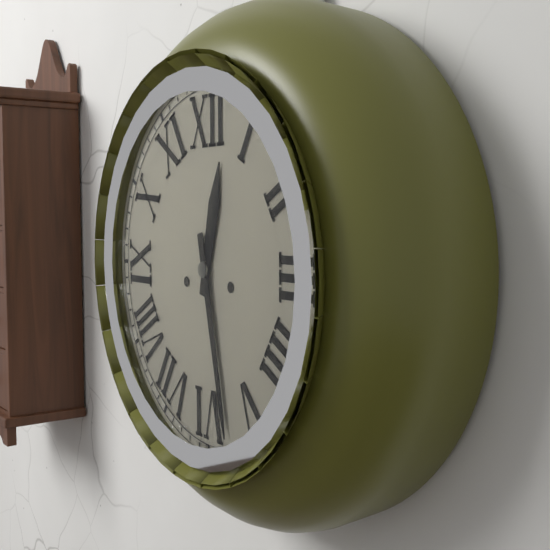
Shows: 12:28
